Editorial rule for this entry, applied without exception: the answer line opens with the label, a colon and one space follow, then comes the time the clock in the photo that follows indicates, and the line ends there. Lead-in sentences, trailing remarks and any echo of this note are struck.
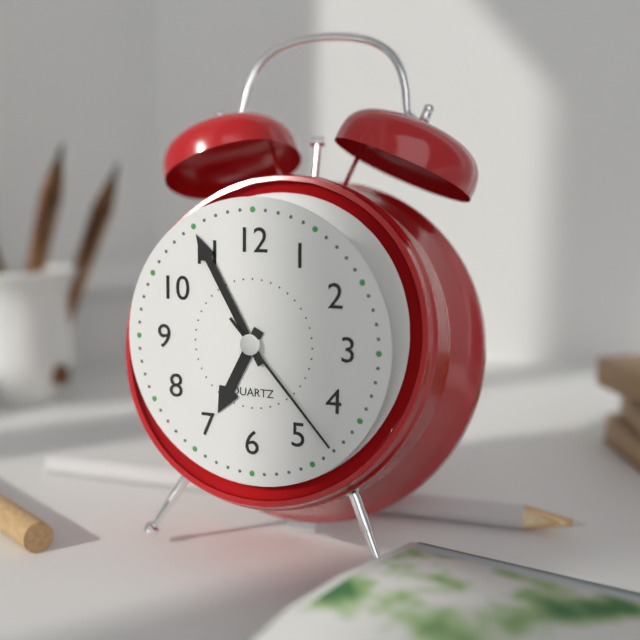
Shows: 6:55:23
